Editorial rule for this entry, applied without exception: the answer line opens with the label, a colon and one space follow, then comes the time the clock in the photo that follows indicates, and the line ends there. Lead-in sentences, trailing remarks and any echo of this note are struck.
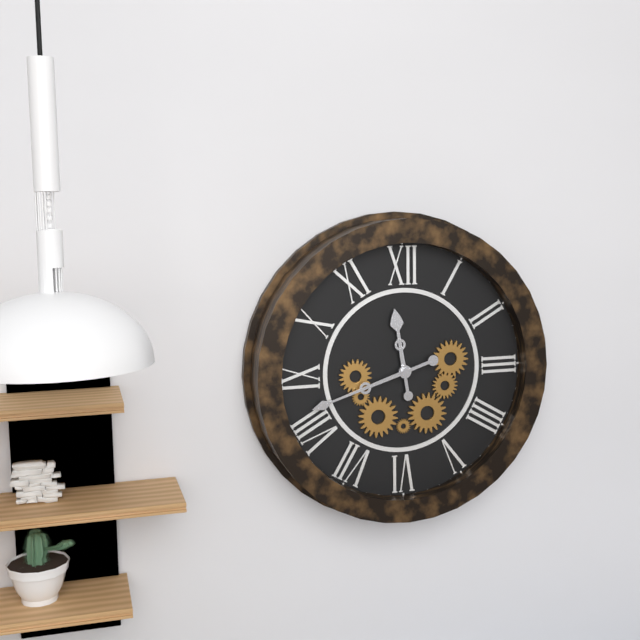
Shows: 11:42
